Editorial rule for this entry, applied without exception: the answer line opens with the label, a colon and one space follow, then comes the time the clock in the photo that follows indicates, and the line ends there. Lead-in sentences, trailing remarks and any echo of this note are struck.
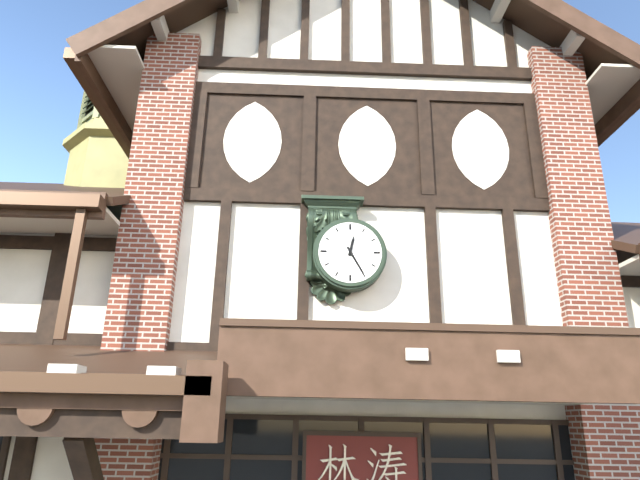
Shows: 12:25
